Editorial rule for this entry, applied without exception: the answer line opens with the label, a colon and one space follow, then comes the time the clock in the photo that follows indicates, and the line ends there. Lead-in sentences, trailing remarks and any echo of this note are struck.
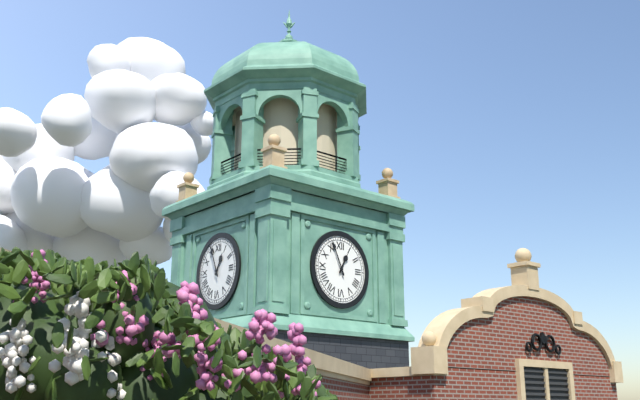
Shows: 12:56
